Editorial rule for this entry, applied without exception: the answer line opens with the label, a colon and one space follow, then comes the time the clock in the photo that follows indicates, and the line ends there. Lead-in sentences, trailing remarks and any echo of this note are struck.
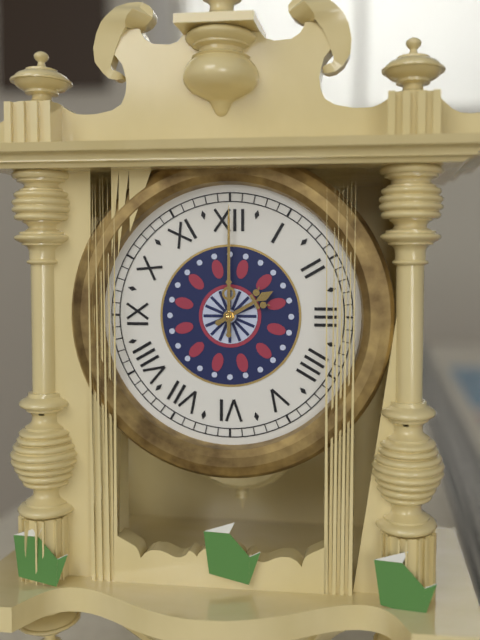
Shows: 2:00
